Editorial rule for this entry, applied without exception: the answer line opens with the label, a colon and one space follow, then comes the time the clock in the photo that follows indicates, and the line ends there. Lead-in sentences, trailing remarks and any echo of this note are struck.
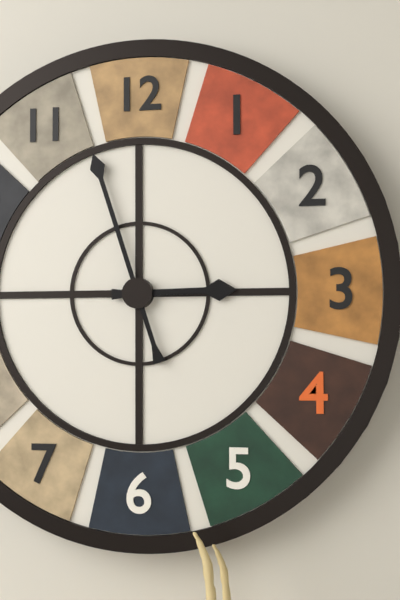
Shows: 2:57
